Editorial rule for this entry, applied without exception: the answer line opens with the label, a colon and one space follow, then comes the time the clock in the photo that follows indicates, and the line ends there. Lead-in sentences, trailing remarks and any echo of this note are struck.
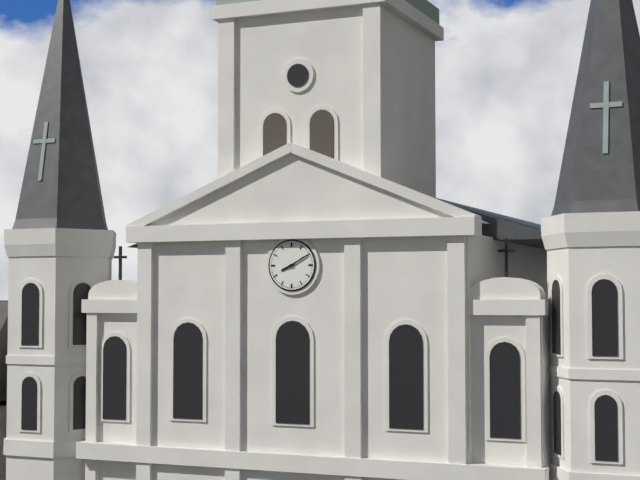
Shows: 8:10
